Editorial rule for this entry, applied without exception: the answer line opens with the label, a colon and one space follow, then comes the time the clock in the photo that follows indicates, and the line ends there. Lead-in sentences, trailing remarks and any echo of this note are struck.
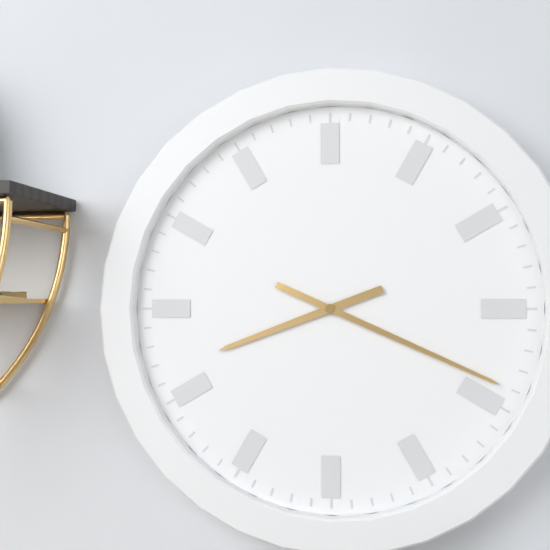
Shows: 8:19
